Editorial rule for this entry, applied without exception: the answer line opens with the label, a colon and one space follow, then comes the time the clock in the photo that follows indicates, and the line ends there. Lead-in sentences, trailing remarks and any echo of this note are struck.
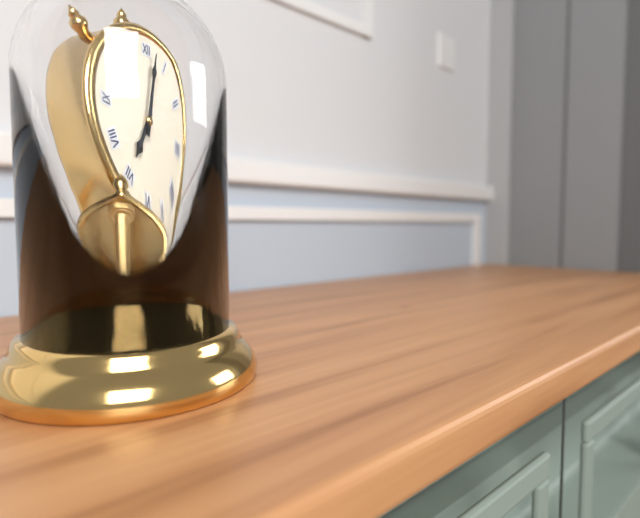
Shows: 7:02
